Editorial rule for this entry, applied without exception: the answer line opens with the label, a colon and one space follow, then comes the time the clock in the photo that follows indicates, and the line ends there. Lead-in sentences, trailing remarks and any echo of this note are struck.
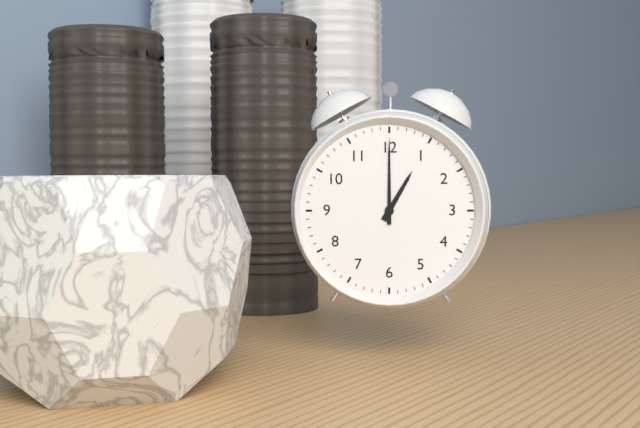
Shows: 1:00
